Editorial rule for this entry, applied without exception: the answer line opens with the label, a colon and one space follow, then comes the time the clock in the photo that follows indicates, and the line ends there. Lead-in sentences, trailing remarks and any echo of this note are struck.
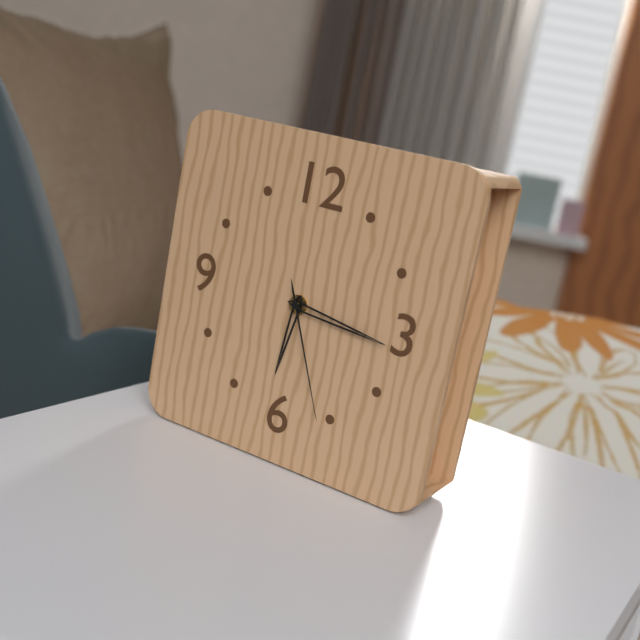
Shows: 6:16:26
